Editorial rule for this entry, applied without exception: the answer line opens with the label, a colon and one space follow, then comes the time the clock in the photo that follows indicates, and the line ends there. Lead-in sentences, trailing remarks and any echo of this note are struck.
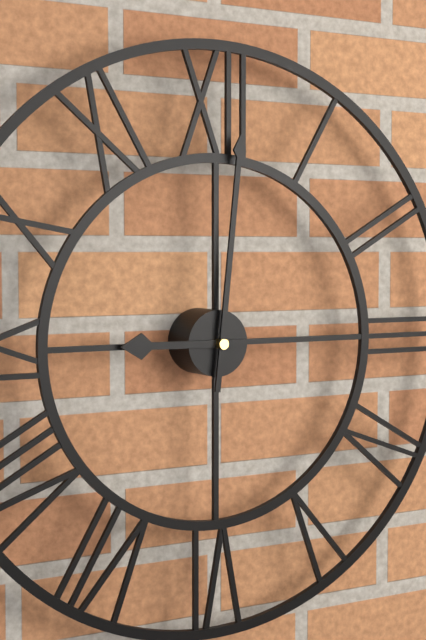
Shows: 9:01
